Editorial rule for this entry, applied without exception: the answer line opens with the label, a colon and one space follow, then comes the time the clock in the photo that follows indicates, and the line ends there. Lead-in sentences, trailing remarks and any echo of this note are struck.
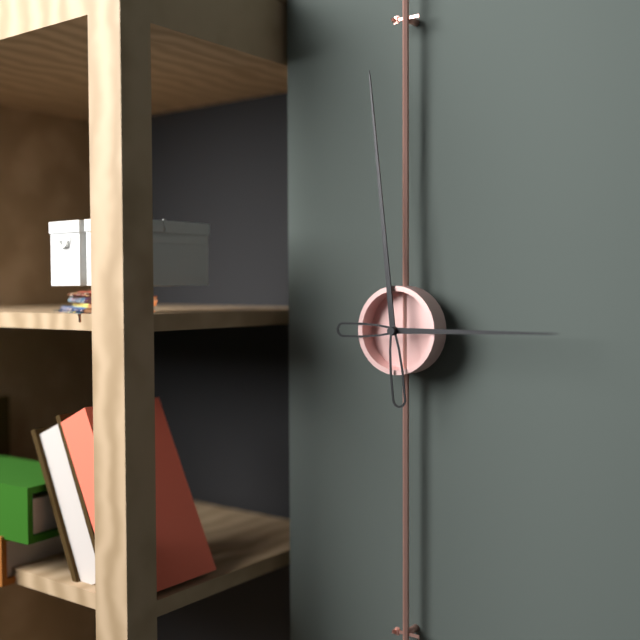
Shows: 2:59
